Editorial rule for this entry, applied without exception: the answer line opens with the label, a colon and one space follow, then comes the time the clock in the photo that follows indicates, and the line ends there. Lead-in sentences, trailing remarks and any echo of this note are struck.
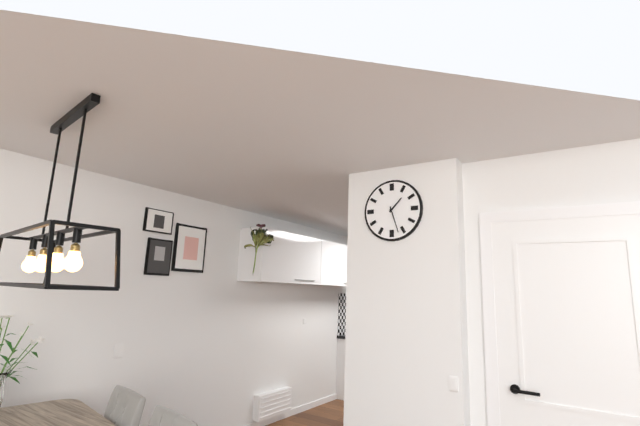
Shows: 1:27
